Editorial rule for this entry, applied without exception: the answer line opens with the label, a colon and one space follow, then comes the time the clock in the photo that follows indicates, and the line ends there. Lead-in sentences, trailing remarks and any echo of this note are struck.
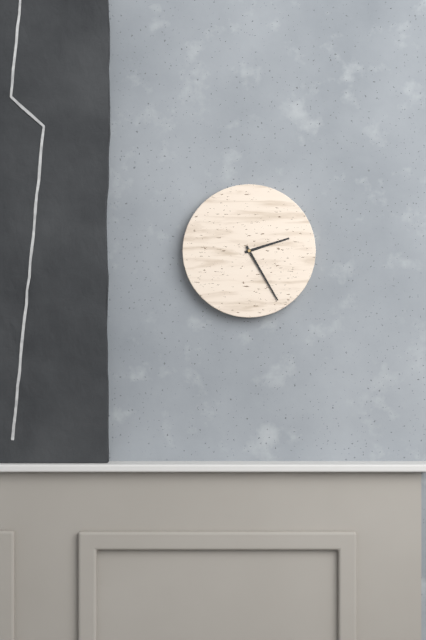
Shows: 2:25
